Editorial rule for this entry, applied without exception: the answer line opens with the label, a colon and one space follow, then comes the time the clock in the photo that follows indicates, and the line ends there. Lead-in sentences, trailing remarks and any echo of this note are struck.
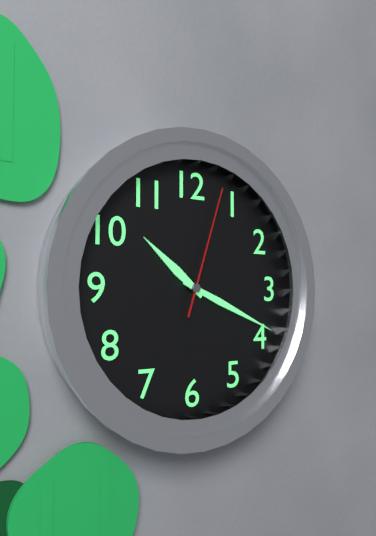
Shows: 10:19:03
